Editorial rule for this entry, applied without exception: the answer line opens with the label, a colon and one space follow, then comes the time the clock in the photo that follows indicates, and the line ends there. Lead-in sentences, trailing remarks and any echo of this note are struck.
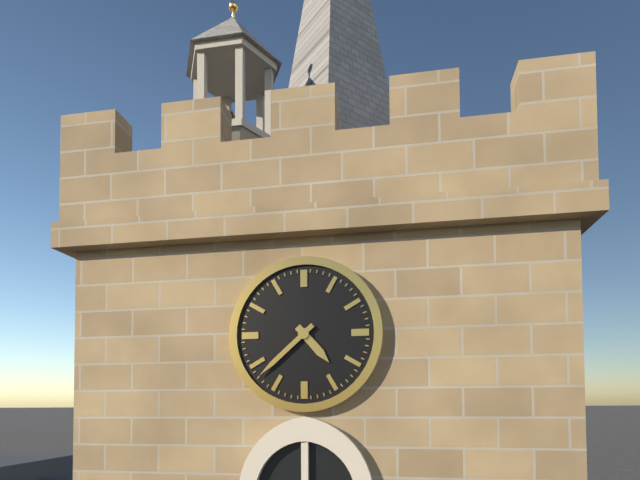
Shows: 4:38
